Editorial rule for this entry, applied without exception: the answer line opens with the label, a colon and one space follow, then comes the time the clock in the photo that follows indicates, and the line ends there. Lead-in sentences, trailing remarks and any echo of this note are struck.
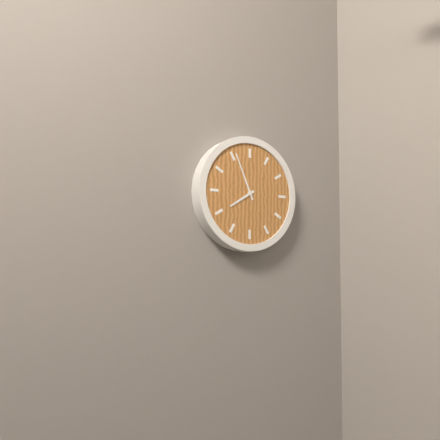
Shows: 7:56
